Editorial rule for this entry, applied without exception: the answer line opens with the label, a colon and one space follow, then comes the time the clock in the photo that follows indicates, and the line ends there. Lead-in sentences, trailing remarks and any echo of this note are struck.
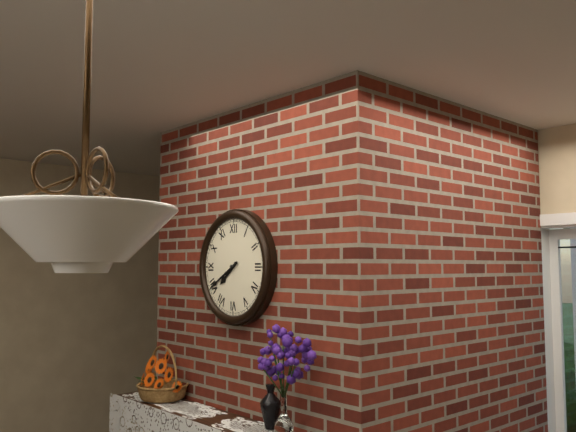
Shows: 7:40
